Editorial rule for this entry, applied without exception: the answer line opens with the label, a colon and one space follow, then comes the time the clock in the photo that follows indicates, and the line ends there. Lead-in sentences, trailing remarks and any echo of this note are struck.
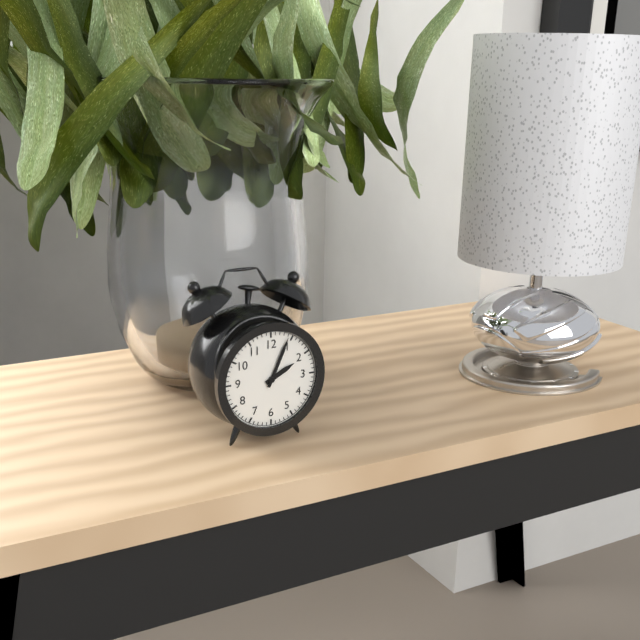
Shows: 2:04
